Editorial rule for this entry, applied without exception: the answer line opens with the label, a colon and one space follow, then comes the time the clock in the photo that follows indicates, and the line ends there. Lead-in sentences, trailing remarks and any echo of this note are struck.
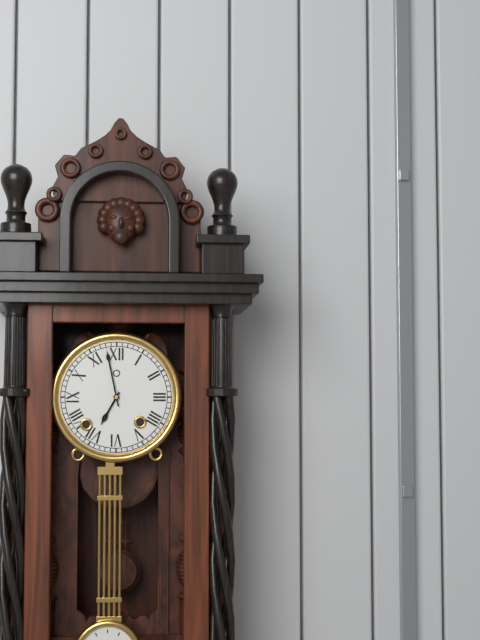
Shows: 6:58
